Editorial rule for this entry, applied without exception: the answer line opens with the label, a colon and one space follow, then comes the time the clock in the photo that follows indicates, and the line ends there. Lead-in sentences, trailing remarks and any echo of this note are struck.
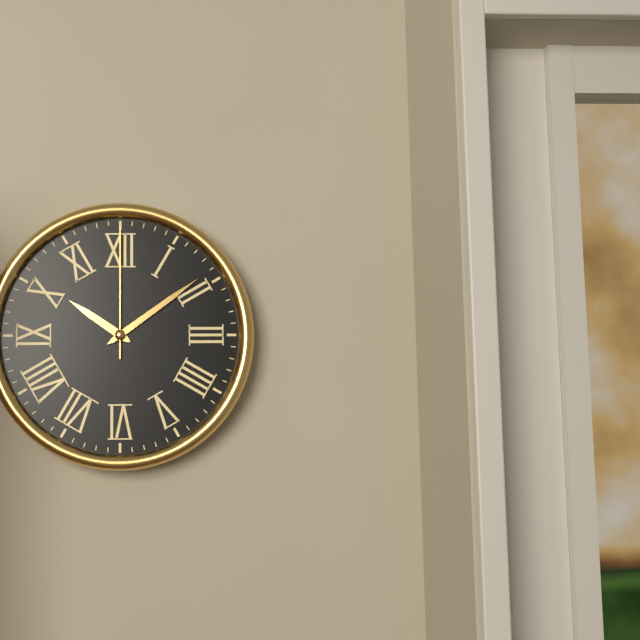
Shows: 10:09:00
